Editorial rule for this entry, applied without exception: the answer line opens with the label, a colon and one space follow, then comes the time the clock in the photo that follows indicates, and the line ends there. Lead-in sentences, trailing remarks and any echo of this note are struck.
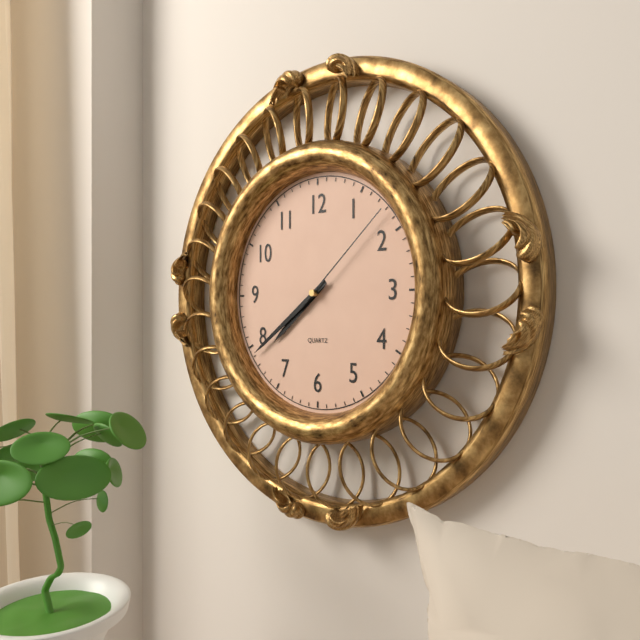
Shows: 7:39:08
